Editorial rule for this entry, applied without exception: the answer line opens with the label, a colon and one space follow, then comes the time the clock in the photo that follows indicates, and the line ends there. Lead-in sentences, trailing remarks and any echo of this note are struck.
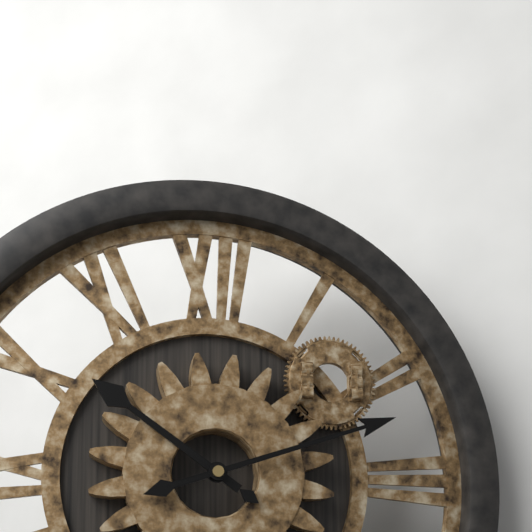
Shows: 10:12
